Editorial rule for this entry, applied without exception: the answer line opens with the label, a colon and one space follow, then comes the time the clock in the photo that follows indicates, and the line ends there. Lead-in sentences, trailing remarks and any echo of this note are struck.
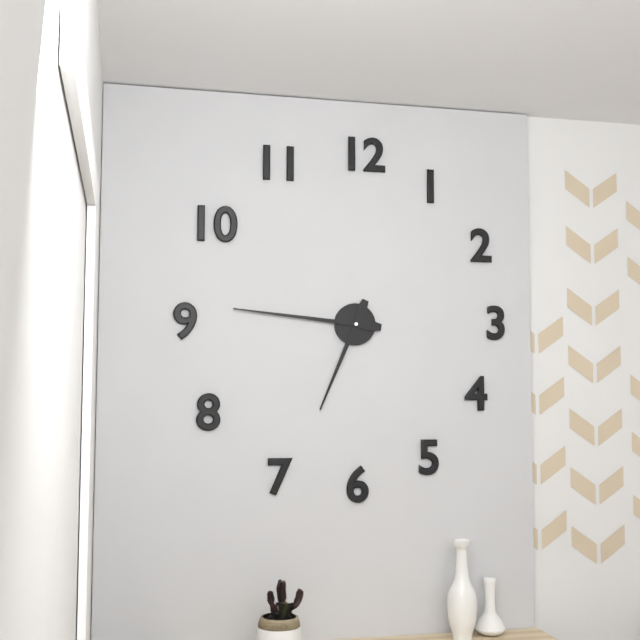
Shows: 6:46
